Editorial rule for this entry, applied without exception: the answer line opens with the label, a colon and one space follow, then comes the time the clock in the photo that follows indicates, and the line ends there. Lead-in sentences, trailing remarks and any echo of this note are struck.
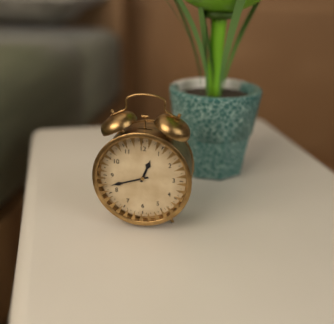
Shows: 12:42
